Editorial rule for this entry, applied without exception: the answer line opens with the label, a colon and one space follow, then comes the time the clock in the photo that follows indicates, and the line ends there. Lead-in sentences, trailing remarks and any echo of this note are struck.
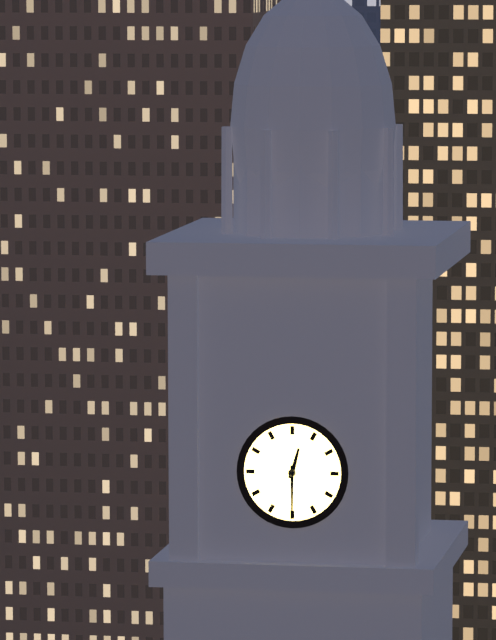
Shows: 12:30
